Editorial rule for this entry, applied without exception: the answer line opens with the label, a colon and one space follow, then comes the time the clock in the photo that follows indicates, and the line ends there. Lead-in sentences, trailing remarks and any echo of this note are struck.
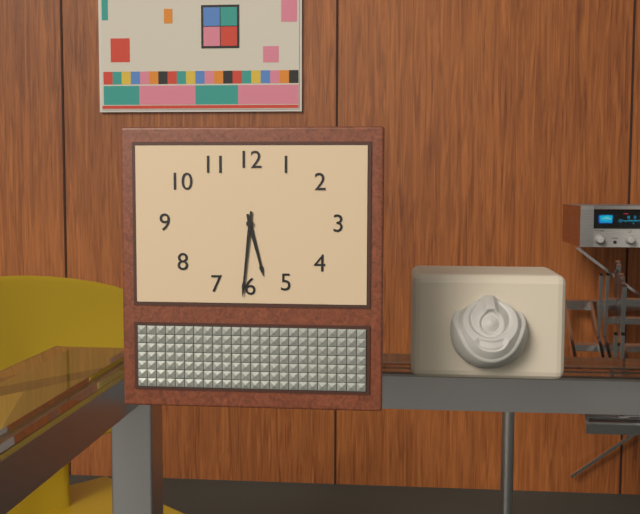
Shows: 5:31
